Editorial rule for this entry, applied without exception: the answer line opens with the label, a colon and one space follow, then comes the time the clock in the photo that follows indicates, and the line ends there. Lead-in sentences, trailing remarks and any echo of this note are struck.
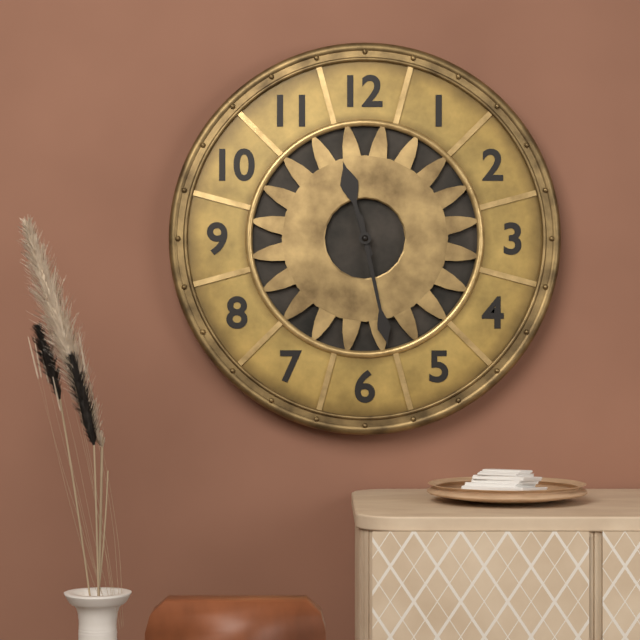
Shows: 11:28
